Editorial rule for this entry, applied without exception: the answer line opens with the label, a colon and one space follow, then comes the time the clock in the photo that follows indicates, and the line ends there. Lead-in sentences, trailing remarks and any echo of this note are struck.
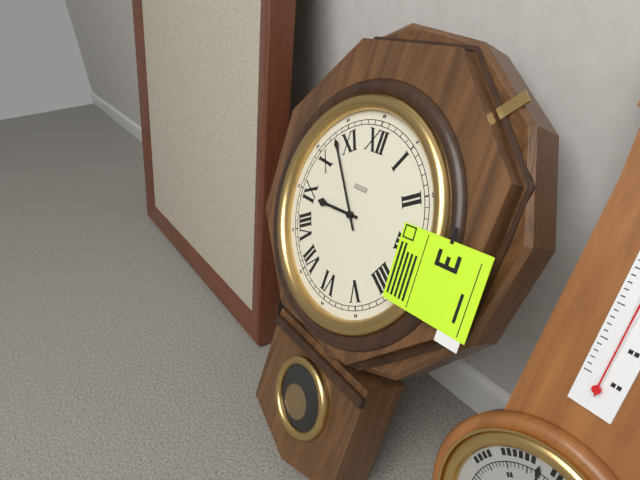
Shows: 8:53
